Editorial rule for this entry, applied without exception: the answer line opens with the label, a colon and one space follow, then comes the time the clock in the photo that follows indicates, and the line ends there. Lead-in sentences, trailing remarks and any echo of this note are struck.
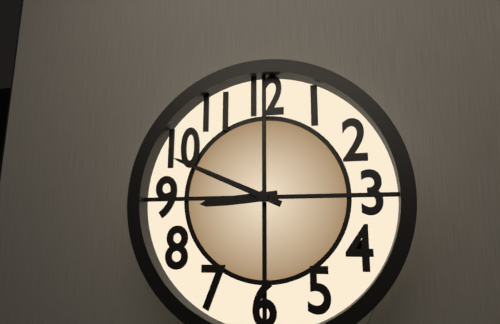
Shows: 8:49
